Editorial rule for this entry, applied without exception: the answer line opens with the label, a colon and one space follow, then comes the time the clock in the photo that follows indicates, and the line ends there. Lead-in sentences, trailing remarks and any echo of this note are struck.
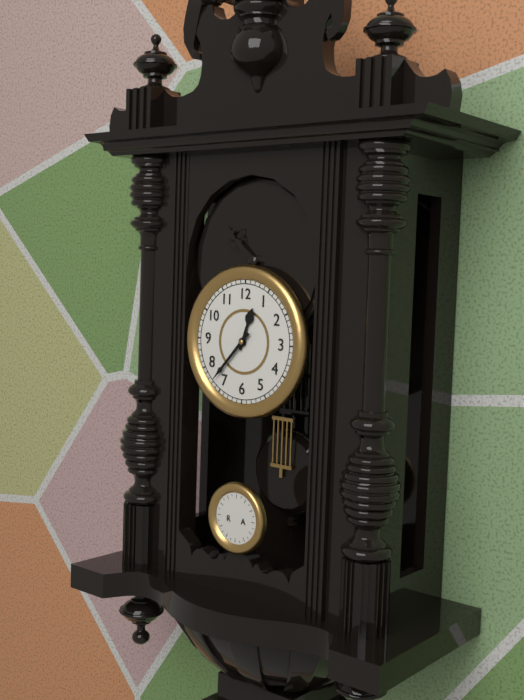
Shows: 12:37
